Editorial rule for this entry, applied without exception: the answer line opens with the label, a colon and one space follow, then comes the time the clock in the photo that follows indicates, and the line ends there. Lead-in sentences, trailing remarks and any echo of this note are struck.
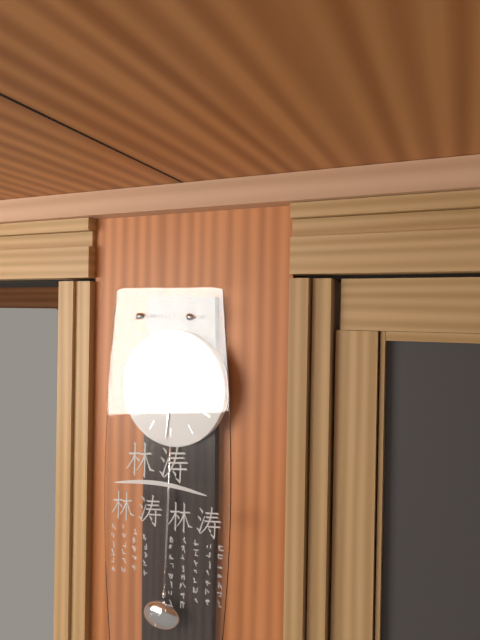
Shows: 11:31
